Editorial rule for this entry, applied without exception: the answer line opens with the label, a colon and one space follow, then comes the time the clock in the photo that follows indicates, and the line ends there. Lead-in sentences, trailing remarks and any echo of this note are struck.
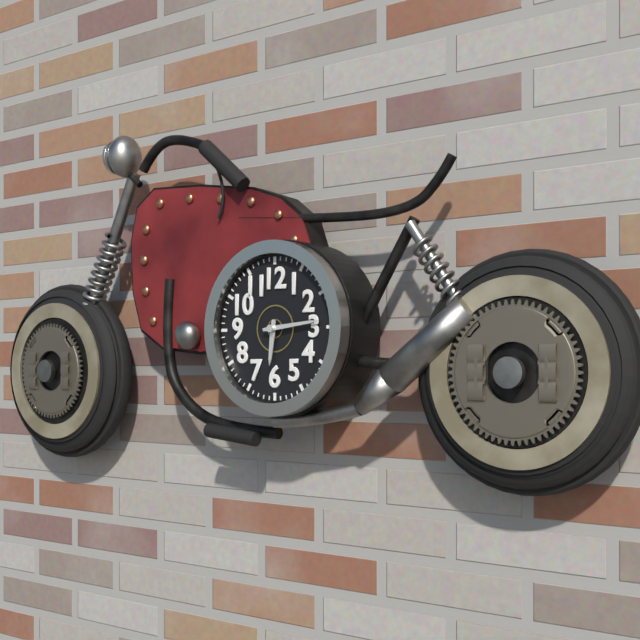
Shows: 6:14
